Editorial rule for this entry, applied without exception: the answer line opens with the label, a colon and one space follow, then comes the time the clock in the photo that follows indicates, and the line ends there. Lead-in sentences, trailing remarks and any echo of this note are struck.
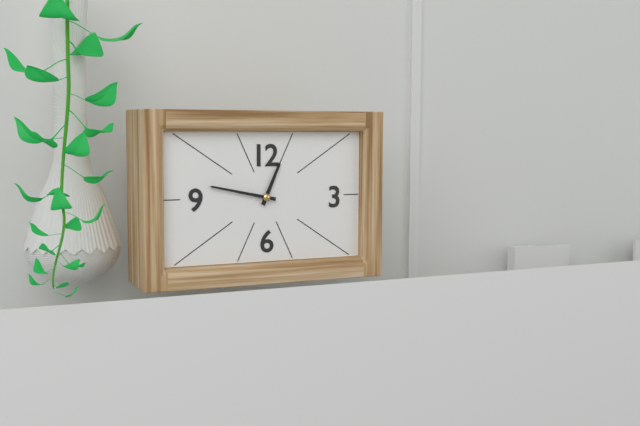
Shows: 12:47
